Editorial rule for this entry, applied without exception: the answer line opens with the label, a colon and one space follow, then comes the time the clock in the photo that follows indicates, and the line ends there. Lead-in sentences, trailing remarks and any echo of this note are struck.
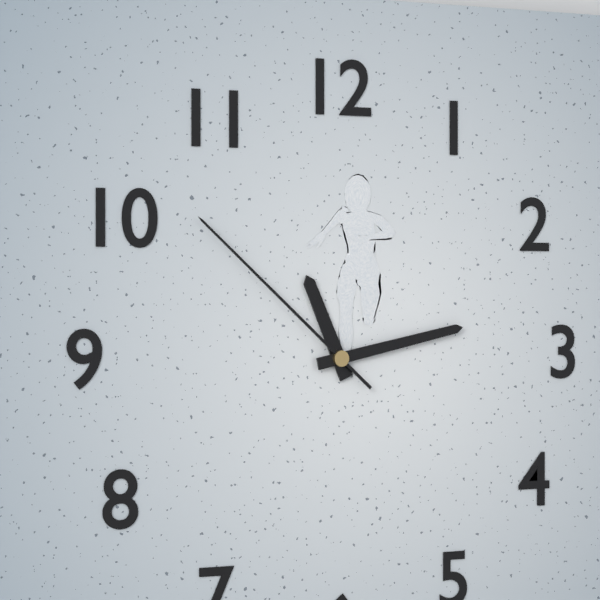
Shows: 11:13:52
